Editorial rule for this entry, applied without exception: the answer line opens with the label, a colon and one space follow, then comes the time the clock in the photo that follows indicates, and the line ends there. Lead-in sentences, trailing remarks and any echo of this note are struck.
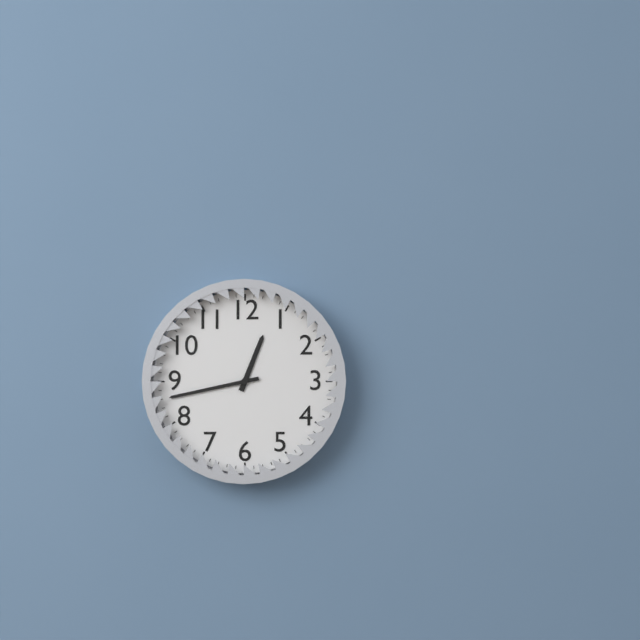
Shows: 12:43
